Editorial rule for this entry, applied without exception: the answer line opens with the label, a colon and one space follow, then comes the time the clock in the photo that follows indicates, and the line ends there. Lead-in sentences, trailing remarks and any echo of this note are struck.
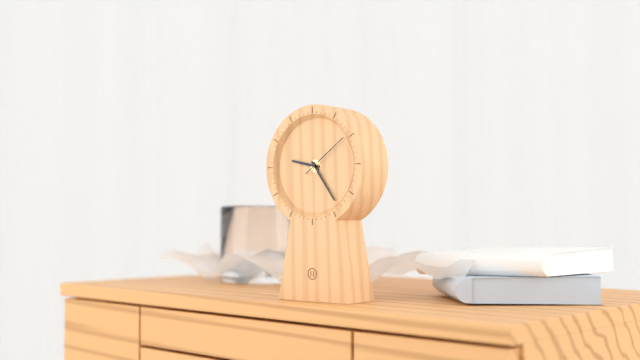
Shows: 9:24:09
